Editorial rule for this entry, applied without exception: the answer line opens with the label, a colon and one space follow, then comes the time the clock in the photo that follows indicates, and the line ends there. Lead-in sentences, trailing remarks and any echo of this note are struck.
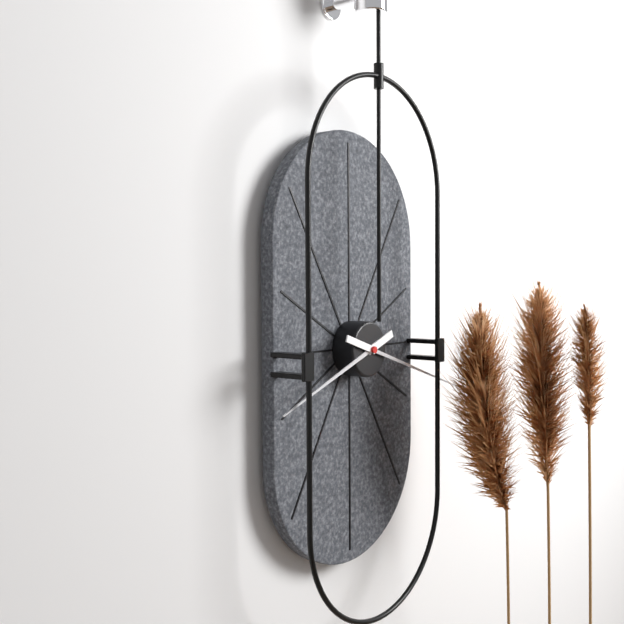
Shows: 8:18
